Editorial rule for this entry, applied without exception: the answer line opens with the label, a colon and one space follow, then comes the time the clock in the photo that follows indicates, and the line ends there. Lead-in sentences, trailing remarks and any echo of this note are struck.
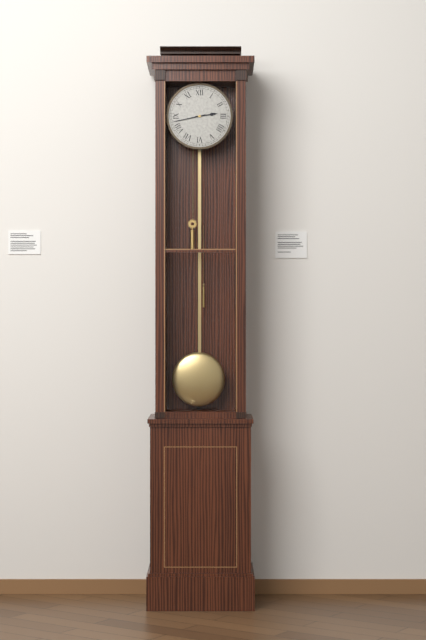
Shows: 2:43
